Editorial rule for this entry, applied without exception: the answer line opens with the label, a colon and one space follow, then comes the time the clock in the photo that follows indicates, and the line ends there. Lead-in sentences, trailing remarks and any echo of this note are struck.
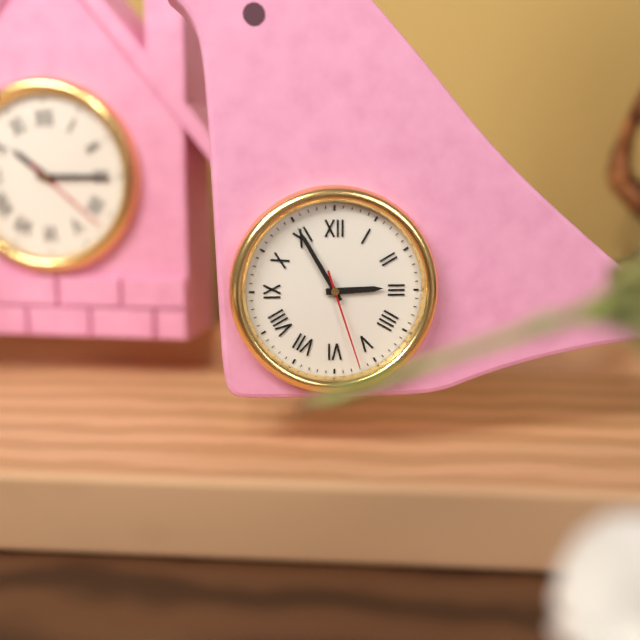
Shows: 2:55:27
